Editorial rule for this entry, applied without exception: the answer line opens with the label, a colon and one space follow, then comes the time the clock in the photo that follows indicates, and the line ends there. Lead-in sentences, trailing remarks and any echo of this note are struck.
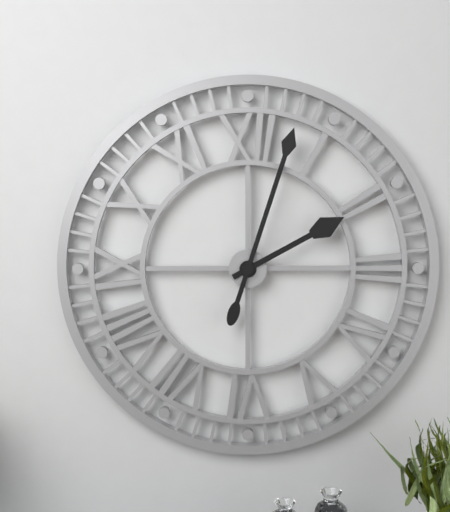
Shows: 2:03
